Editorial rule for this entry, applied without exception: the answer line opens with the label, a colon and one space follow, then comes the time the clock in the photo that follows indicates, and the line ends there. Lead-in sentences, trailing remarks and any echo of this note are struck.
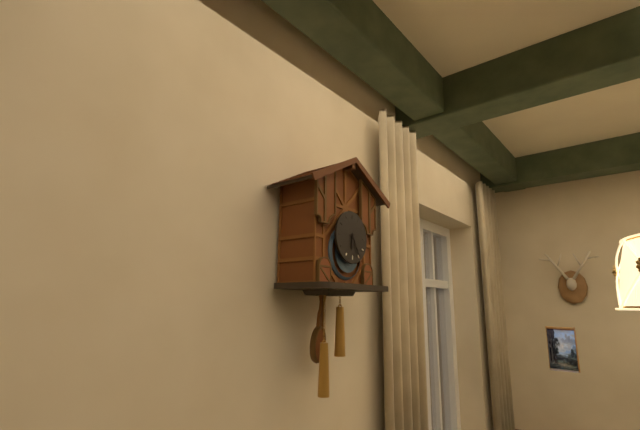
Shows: 6:25
